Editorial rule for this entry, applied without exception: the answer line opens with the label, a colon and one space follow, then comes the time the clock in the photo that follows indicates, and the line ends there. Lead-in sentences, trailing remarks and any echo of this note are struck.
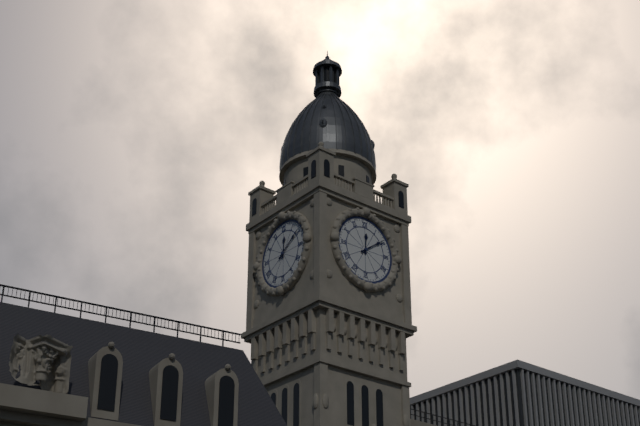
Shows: 12:09
